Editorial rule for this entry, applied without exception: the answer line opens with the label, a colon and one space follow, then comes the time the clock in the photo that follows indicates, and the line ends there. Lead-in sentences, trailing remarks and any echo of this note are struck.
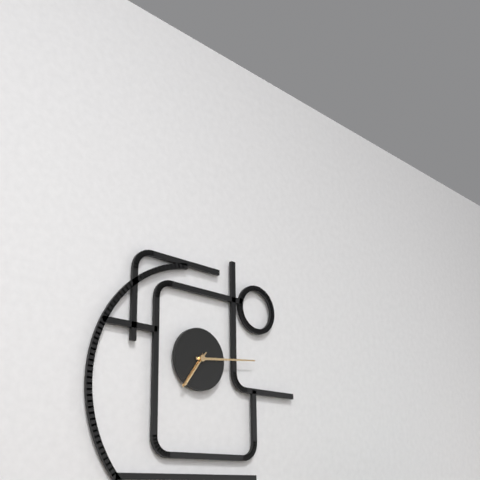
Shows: 7:14
